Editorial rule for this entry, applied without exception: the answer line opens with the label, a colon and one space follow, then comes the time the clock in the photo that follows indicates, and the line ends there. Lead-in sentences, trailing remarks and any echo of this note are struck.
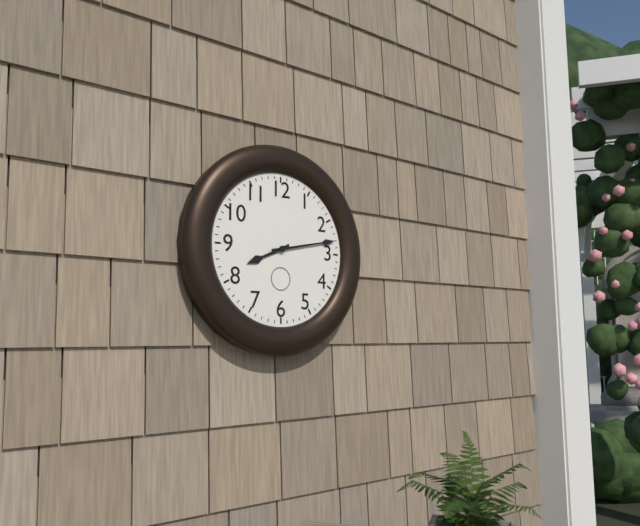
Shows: 8:13
